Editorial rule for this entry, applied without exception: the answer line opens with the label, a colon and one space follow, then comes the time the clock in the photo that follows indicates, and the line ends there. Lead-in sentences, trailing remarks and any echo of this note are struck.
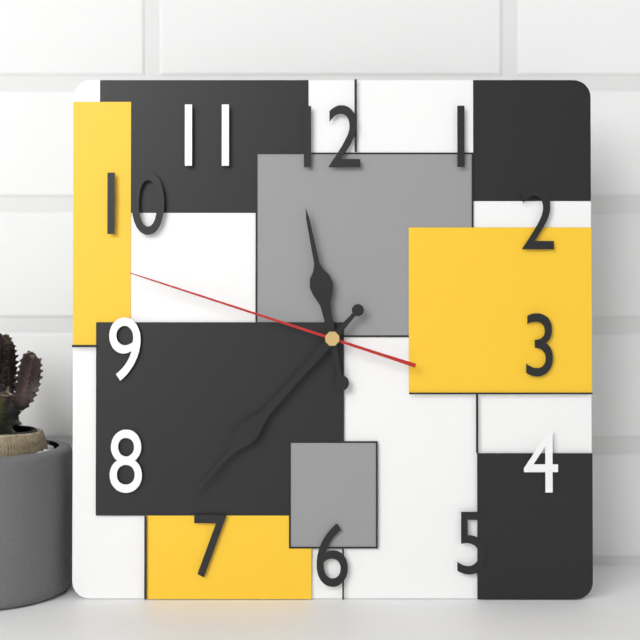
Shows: 11:37:48
